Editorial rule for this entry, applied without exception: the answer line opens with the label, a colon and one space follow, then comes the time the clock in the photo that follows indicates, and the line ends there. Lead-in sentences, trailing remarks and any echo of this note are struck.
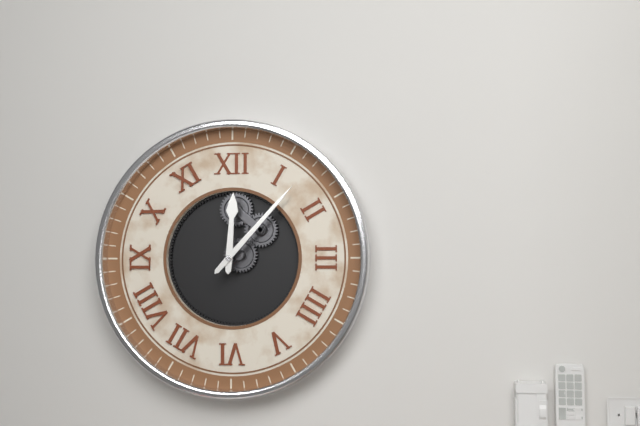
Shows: 12:07
